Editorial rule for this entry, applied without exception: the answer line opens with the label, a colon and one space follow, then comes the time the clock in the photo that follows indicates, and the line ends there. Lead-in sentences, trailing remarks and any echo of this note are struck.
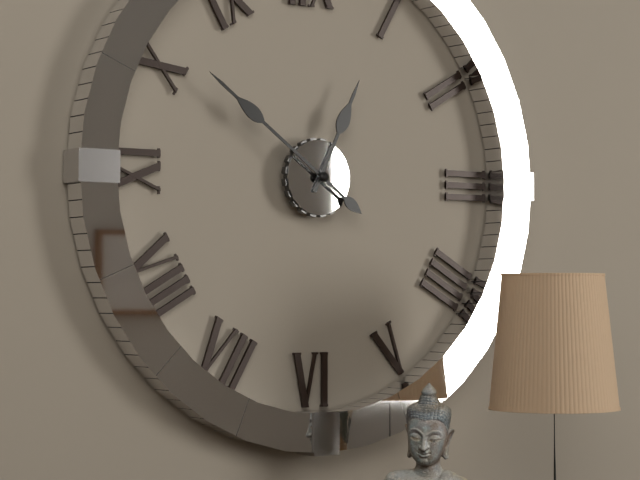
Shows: 12:51
